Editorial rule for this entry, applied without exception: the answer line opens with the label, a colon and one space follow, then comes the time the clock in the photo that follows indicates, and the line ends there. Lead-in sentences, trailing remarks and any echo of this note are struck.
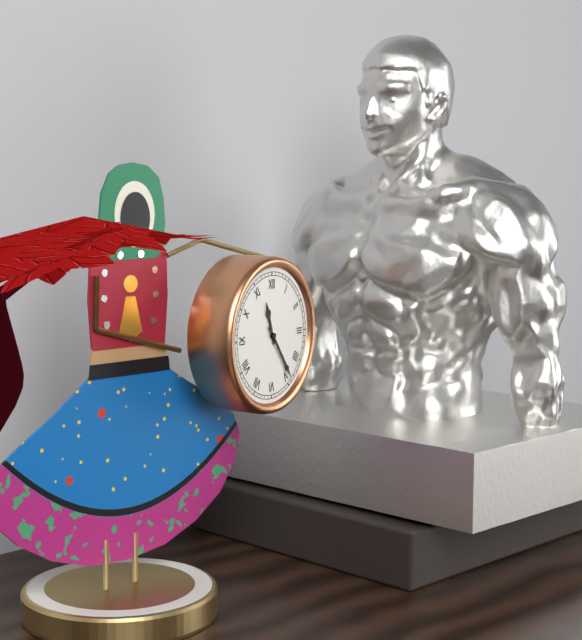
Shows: 11:24
